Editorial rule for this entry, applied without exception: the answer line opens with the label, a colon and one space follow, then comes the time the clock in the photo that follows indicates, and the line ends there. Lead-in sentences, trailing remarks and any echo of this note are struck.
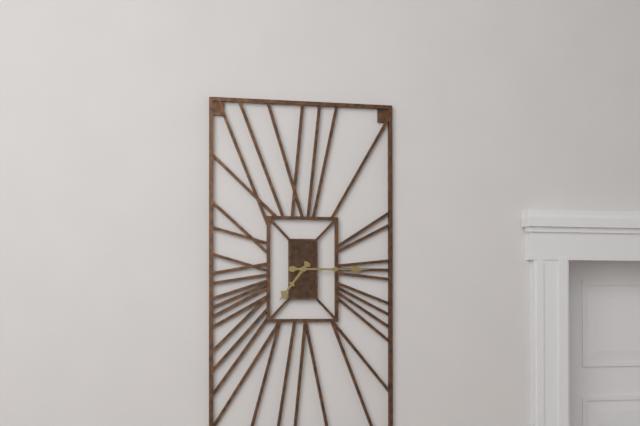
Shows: 7:15
